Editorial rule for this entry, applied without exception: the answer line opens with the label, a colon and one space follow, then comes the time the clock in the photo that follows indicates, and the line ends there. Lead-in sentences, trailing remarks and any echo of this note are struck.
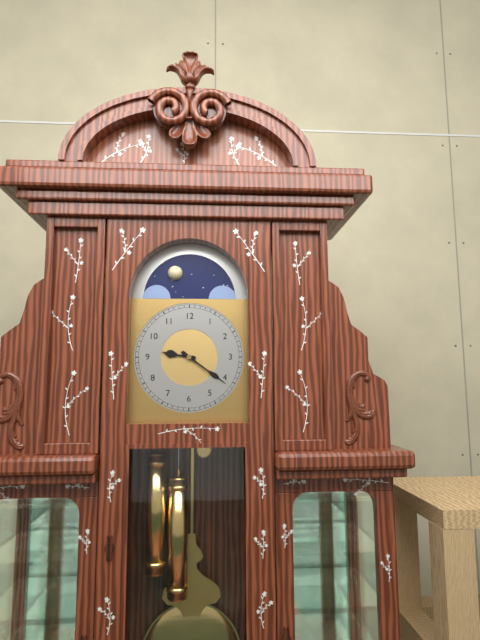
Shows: 9:21
